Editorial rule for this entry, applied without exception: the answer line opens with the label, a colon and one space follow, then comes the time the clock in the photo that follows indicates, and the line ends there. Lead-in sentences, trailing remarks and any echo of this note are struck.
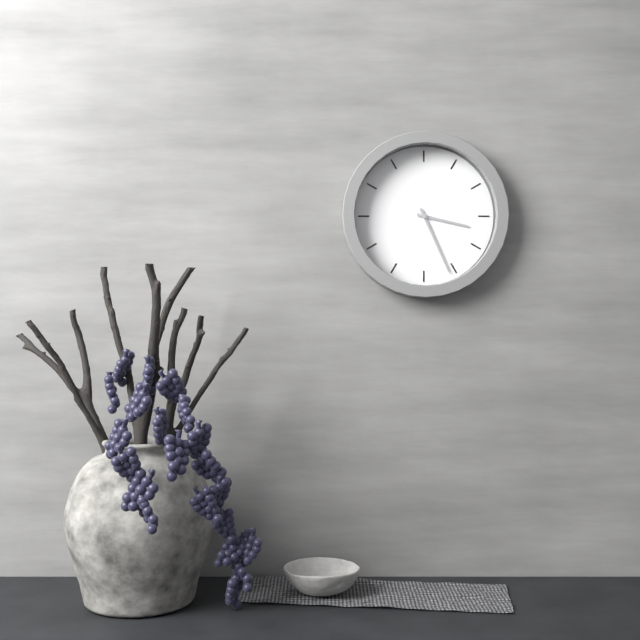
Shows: 3:26
